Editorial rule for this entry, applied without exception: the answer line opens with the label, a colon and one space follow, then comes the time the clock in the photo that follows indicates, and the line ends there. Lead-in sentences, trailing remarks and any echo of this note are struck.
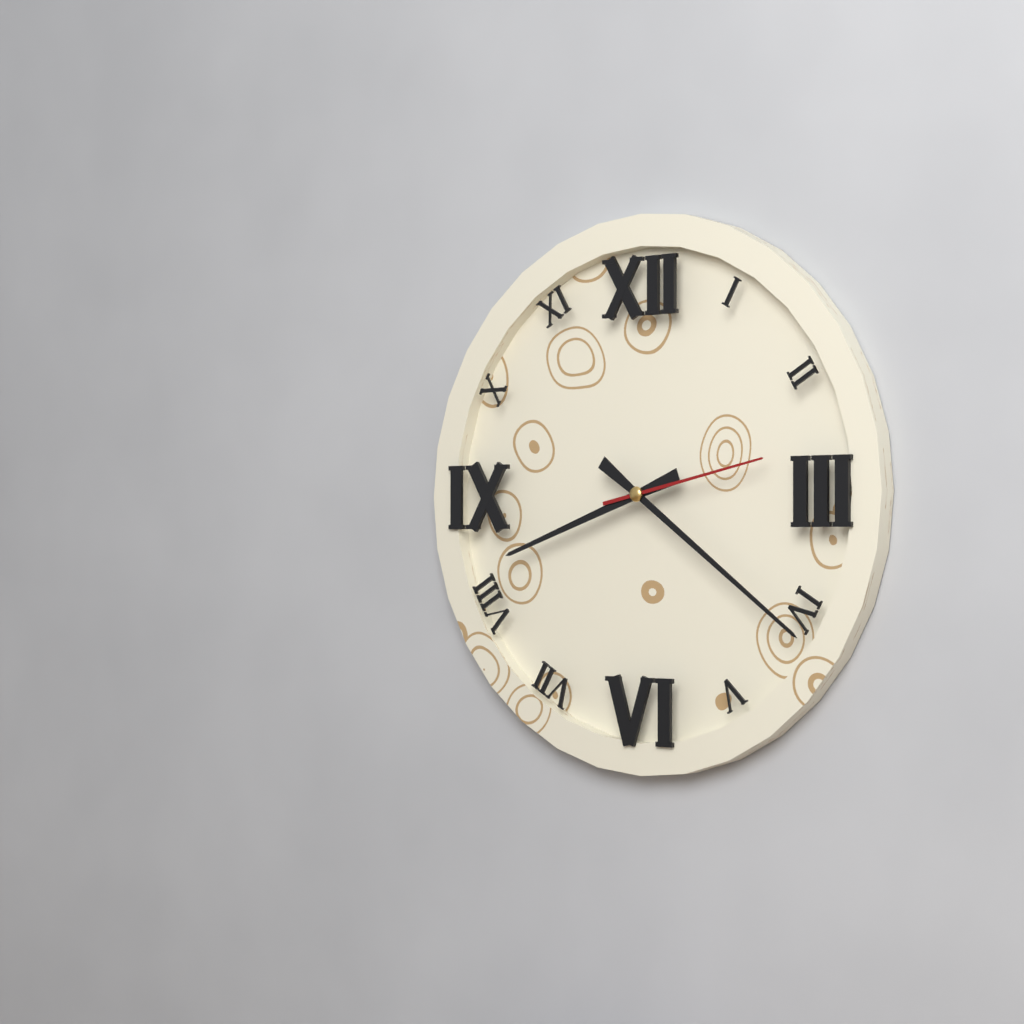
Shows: 8:21:13
